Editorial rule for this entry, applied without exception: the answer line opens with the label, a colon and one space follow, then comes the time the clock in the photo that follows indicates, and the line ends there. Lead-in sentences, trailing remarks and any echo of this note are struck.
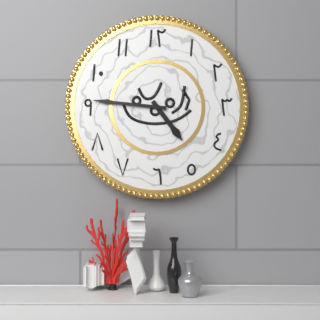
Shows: 4:46
